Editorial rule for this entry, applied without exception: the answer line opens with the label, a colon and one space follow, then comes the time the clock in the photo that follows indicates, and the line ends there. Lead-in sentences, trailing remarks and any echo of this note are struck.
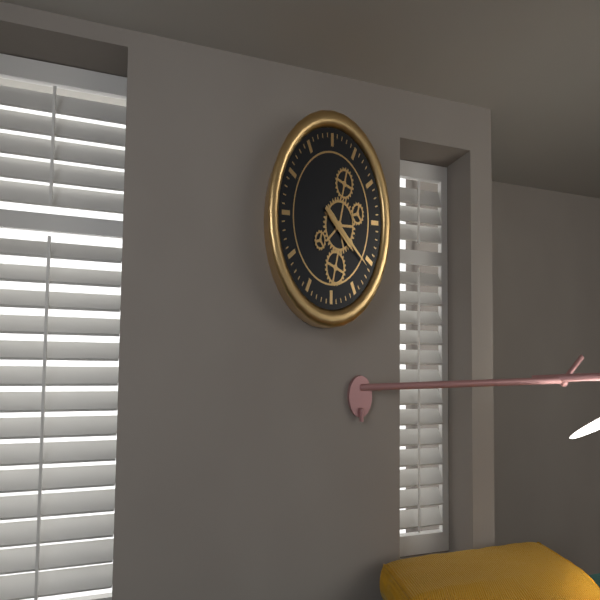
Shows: 4:21
